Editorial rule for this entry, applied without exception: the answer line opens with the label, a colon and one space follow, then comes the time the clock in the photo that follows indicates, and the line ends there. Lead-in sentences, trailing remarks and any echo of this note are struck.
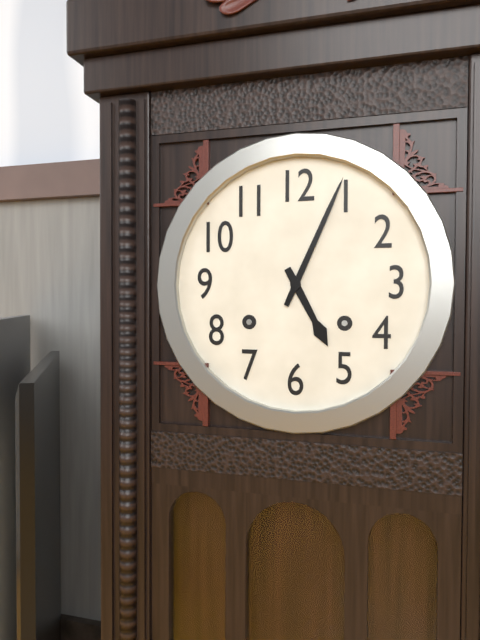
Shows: 5:04
